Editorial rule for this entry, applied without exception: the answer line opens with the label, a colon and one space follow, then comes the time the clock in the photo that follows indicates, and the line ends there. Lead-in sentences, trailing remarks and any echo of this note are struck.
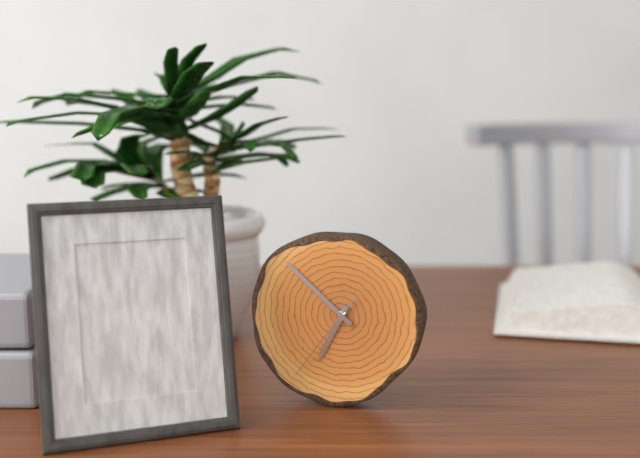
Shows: 6:52:36
